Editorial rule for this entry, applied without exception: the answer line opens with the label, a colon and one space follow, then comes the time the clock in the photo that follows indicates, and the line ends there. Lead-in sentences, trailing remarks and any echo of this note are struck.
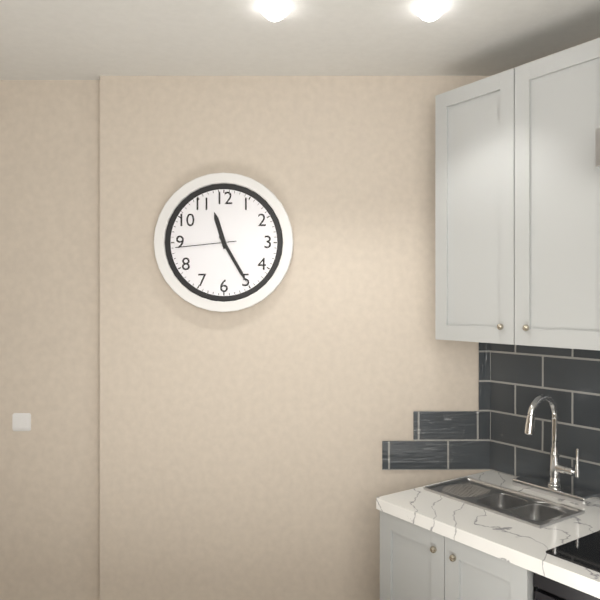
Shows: 11:25:44
